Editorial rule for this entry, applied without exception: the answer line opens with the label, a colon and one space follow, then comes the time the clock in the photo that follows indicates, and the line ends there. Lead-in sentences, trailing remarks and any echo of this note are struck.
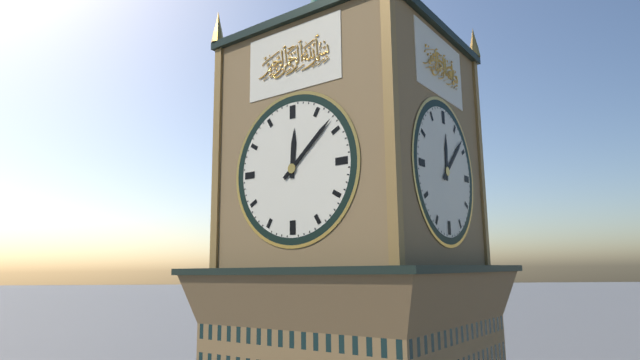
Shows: 12:08
